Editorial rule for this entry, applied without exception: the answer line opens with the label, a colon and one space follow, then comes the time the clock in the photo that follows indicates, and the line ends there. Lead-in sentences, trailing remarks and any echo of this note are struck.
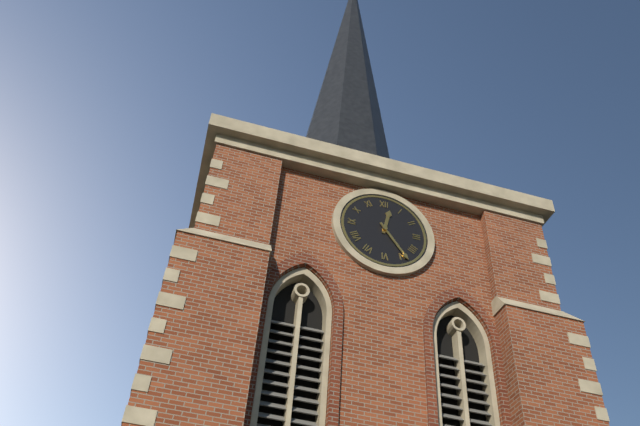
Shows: 12:24
